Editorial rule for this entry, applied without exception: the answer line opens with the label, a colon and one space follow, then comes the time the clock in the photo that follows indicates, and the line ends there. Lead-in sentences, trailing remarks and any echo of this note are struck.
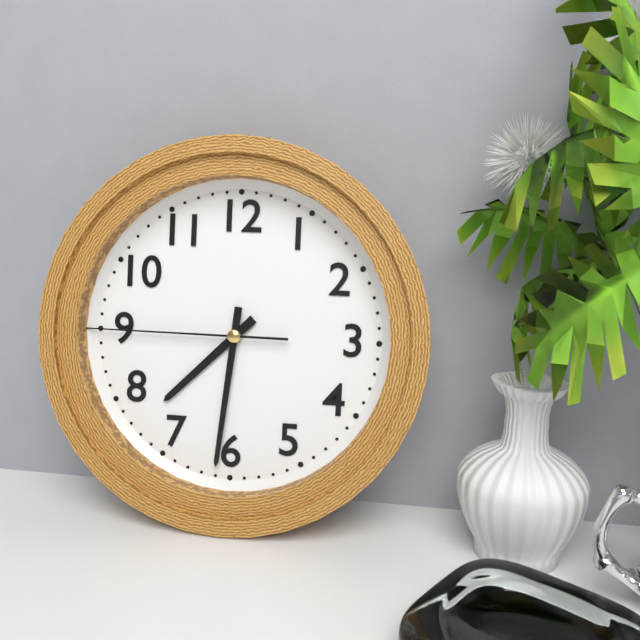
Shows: 7:31:45
